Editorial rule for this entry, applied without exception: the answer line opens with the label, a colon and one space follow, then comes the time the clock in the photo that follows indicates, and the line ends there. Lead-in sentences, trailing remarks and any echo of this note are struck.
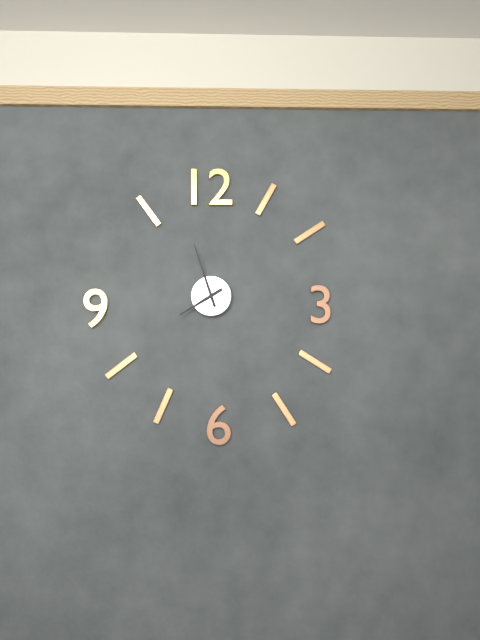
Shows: 7:57
